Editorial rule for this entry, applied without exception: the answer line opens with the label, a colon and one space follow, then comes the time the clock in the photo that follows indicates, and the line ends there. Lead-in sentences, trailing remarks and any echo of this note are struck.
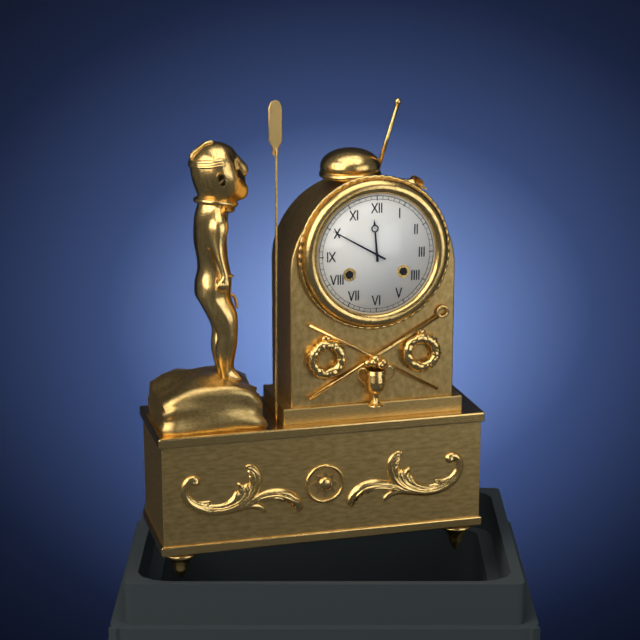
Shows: 11:50
